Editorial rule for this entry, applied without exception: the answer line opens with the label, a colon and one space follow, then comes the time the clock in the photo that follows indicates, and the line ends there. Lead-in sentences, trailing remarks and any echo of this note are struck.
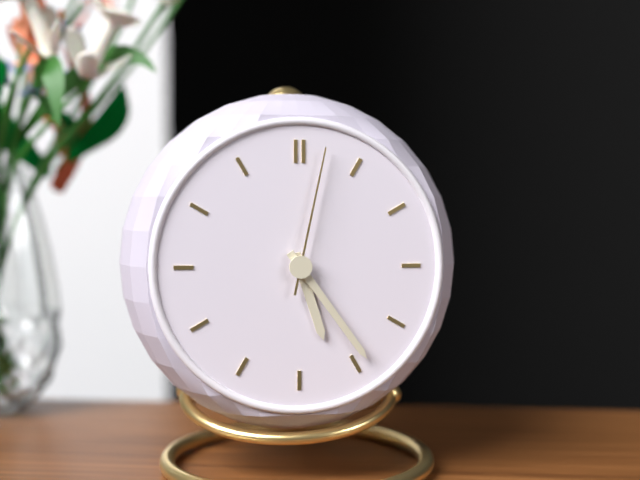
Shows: 5:24:02
